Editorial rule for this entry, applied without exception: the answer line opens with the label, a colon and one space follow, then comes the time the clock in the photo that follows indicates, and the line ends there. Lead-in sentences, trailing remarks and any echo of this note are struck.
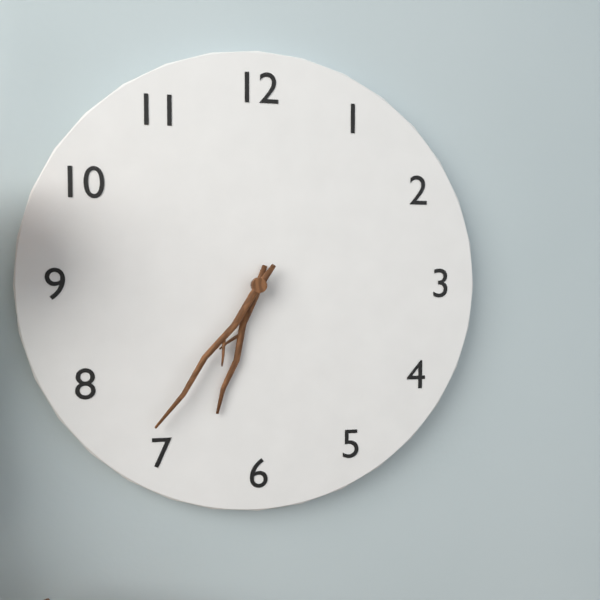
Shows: 6:36
